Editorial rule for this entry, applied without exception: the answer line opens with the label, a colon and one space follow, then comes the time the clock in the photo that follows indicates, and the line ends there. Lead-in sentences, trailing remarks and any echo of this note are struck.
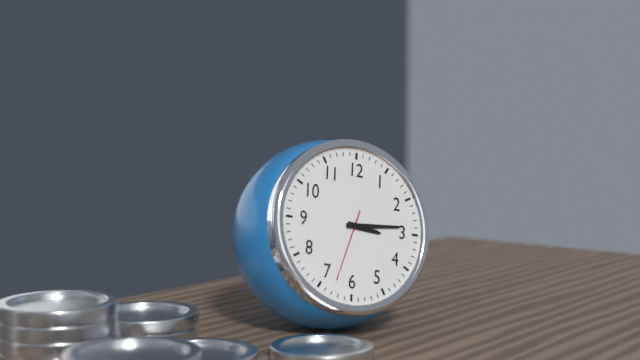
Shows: 3:14:33
